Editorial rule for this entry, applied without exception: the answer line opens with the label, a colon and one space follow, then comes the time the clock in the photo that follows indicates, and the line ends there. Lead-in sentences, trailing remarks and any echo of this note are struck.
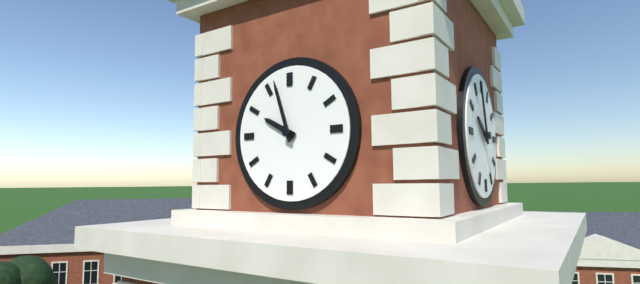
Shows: 9:57
